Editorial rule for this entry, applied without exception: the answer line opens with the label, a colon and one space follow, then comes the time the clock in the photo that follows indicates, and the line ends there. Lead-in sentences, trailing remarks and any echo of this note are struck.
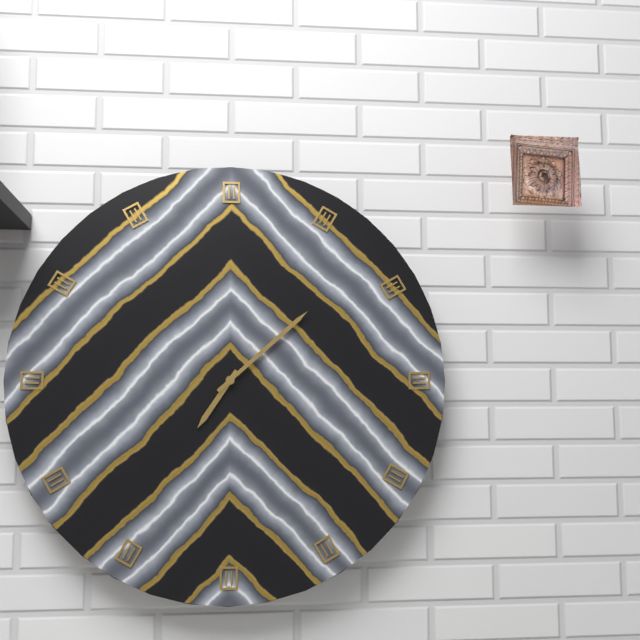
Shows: 7:08
